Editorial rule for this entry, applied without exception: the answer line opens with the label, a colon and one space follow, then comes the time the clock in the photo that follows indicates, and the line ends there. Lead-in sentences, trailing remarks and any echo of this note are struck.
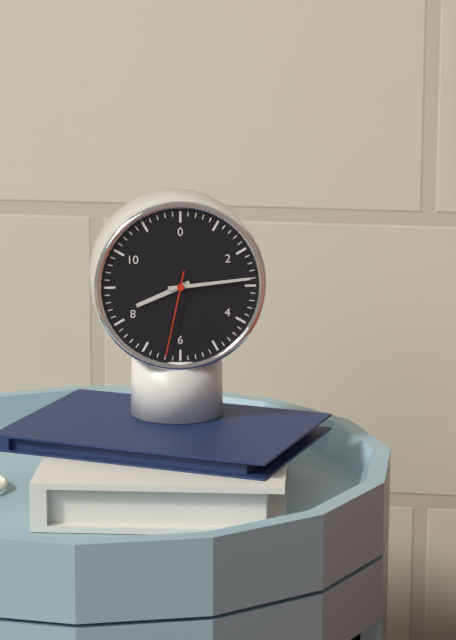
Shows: 8:14:32
